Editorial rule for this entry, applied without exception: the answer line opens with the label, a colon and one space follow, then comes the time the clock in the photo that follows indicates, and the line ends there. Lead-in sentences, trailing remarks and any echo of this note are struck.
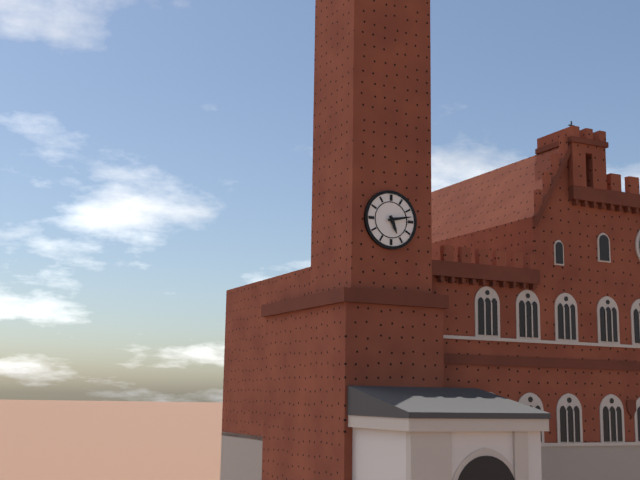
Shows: 5:13
